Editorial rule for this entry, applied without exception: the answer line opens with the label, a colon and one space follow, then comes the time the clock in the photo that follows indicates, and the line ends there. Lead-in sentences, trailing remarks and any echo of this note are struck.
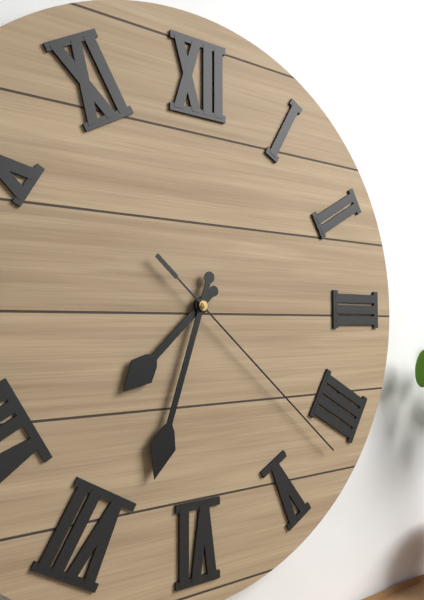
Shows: 7:33:22
